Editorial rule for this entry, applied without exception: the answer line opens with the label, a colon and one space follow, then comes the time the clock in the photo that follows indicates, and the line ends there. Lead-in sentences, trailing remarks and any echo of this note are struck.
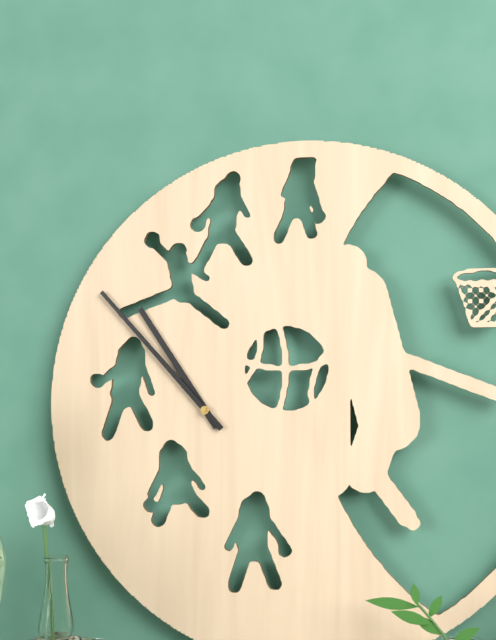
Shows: 10:53
